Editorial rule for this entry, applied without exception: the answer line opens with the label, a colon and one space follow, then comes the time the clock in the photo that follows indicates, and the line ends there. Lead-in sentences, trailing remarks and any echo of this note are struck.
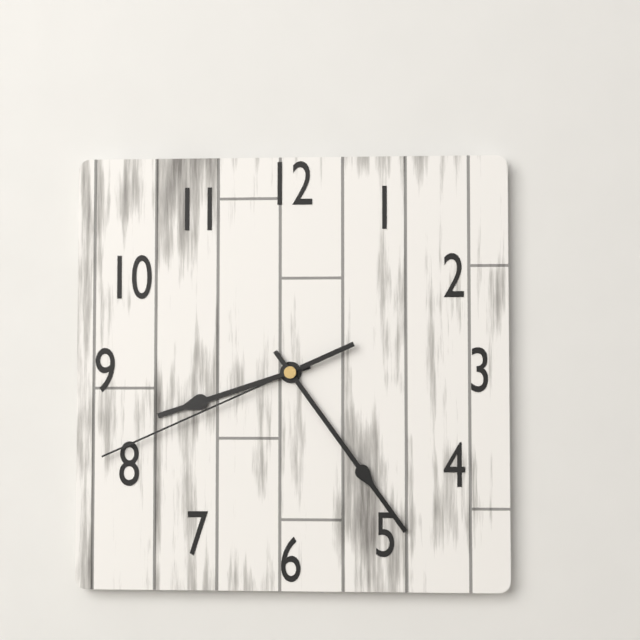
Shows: 8:24:41
